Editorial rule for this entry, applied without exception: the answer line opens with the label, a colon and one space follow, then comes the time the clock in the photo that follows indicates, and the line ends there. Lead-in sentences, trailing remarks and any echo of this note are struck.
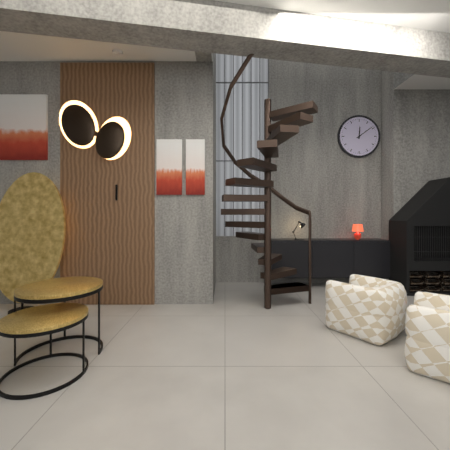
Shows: 12:09
